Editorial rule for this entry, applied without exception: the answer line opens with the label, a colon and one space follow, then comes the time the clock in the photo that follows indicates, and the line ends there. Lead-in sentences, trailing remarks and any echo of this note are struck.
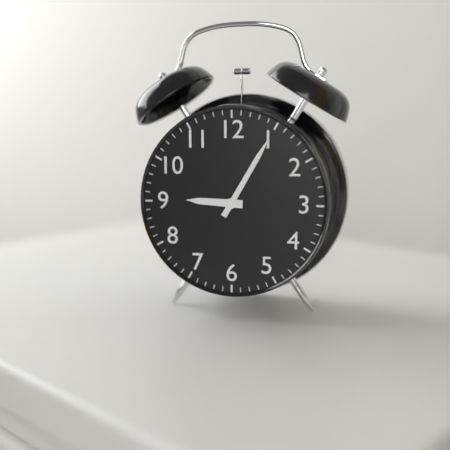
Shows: 9:05
